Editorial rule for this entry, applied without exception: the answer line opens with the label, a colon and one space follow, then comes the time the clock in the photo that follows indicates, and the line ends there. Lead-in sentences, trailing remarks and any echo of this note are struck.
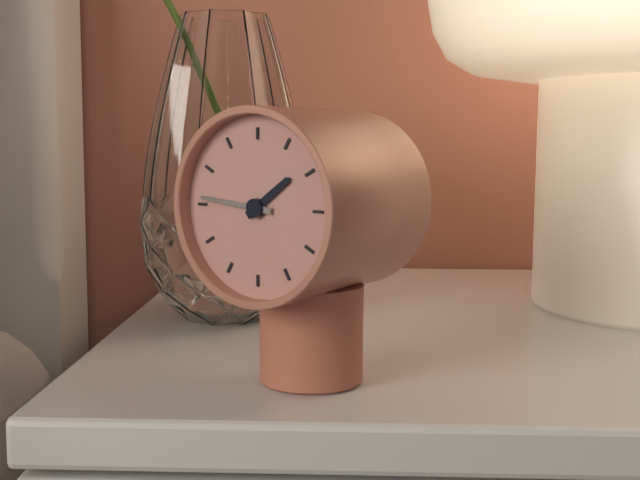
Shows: 1:46
